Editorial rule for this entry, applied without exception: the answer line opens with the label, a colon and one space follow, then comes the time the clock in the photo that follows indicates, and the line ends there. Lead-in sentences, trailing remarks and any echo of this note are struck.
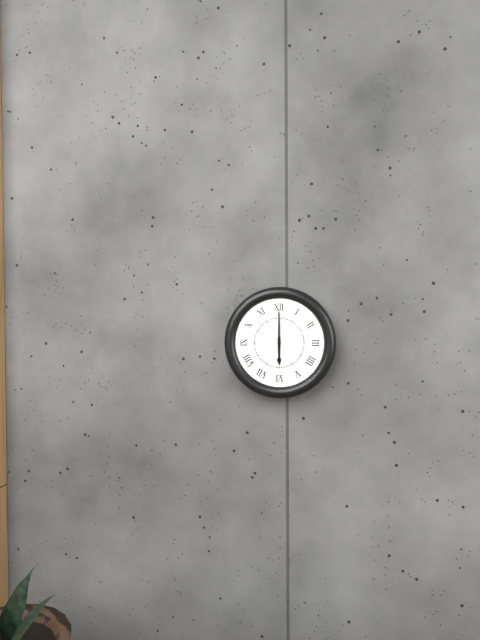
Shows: 6:00
